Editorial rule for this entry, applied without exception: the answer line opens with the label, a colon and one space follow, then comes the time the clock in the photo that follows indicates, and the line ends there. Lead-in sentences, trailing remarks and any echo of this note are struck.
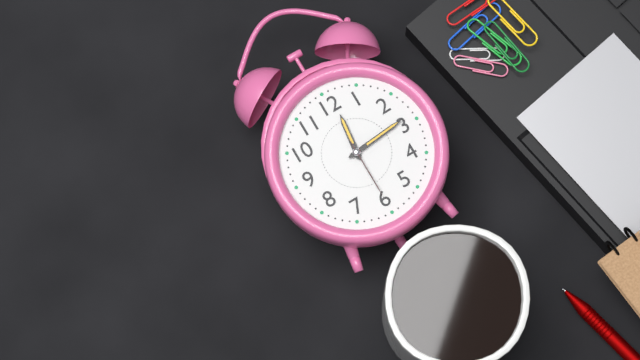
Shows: 12:14:30
